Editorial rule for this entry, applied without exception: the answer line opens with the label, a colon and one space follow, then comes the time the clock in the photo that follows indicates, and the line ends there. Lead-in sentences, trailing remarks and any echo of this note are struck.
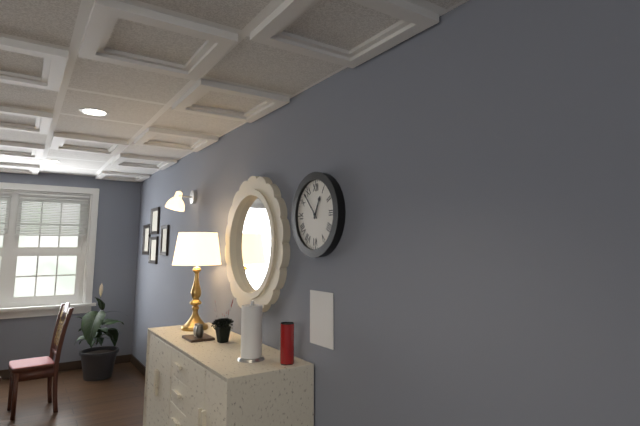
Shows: 12:53
